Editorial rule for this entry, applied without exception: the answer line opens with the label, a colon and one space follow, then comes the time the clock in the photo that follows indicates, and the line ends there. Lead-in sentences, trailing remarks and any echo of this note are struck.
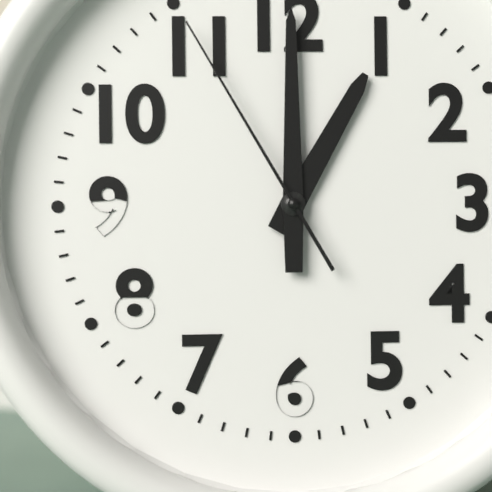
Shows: 1:00:55
